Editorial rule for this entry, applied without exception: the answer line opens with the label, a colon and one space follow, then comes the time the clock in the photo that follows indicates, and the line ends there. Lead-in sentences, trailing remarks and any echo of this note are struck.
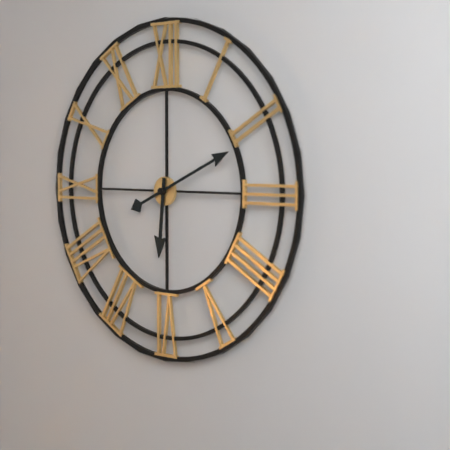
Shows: 6:11
